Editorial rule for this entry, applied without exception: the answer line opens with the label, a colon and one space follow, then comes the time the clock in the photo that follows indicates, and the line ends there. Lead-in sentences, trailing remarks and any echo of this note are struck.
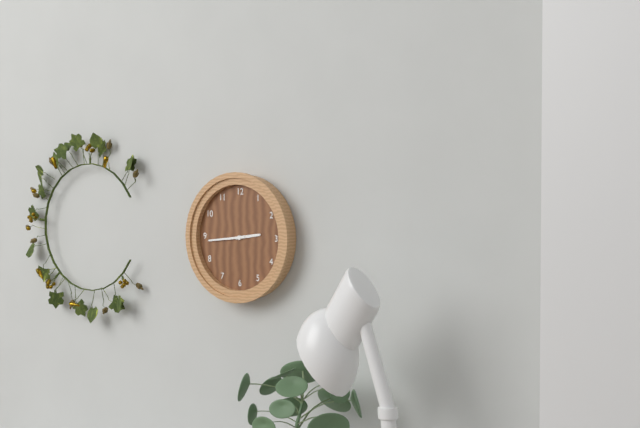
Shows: 2:44
